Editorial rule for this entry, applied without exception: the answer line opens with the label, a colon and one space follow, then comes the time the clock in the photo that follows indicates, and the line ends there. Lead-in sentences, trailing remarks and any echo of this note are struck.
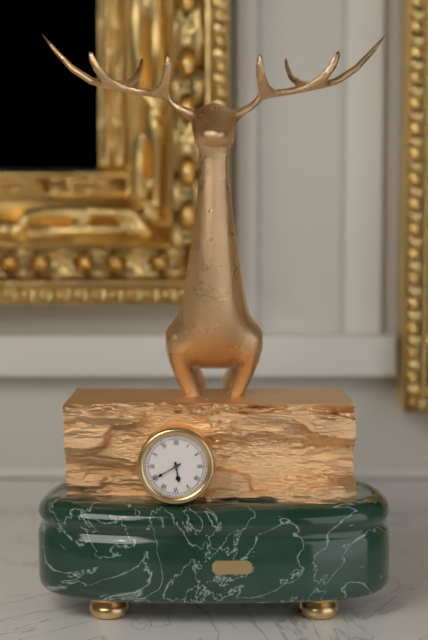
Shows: 5:40
